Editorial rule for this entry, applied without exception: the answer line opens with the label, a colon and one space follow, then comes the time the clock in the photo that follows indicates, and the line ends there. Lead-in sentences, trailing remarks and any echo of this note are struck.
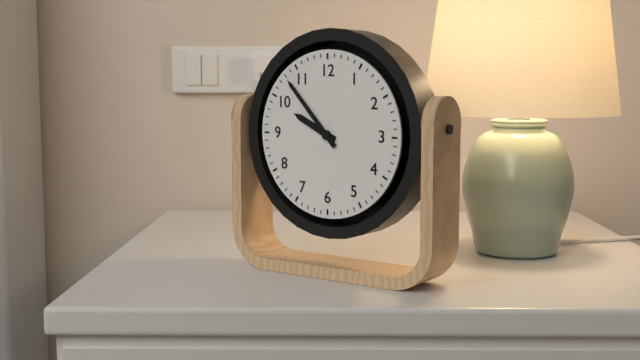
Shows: 9:53
